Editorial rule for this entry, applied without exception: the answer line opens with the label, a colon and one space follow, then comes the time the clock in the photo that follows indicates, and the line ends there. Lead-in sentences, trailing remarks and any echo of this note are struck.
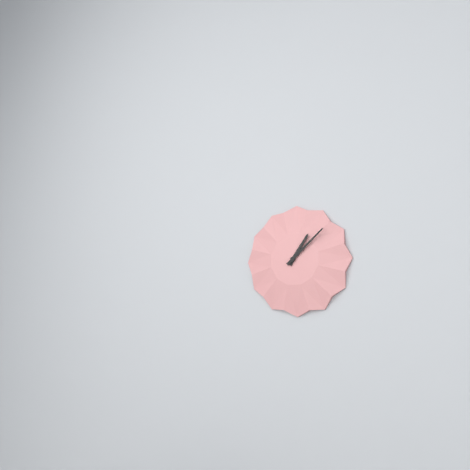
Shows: 1:08
